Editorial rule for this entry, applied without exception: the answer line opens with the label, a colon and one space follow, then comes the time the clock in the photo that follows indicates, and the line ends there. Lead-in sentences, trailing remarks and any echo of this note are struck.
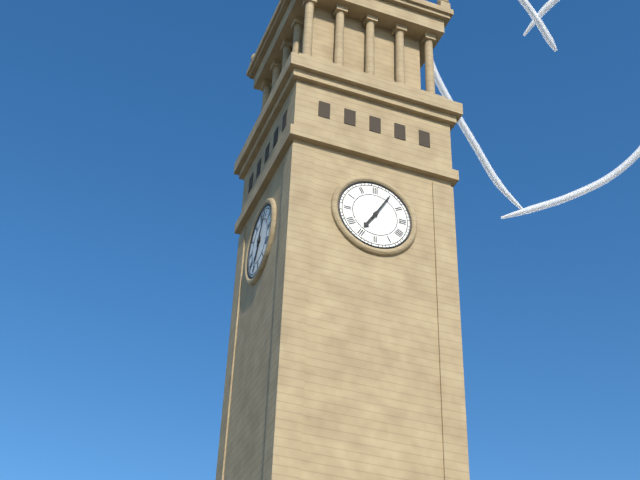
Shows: 7:05
